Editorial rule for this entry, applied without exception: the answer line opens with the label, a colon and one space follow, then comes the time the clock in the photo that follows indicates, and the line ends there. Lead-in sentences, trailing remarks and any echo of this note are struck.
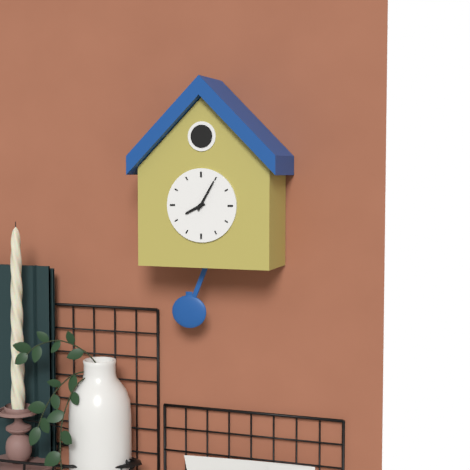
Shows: 8:05
